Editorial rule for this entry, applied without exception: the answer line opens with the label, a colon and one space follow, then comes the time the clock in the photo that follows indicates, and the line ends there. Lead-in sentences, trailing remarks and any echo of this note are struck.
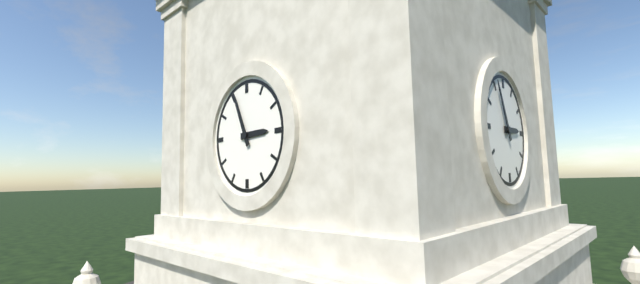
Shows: 2:56
